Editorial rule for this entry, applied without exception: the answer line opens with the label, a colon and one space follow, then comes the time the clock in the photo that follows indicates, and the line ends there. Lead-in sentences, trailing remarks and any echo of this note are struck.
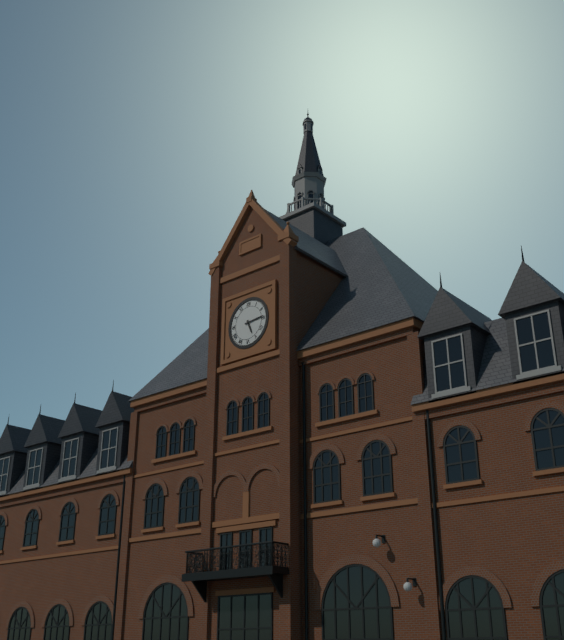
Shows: 5:14
